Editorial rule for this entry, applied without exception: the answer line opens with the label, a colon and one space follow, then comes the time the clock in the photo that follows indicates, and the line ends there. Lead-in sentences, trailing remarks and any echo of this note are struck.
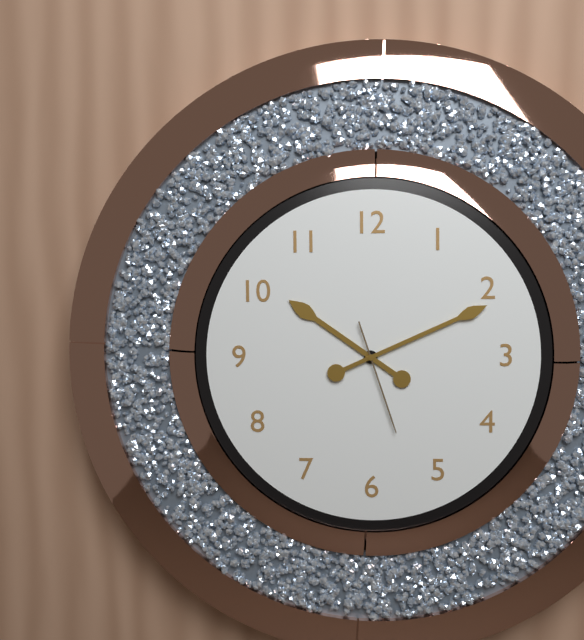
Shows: 10:11:27
